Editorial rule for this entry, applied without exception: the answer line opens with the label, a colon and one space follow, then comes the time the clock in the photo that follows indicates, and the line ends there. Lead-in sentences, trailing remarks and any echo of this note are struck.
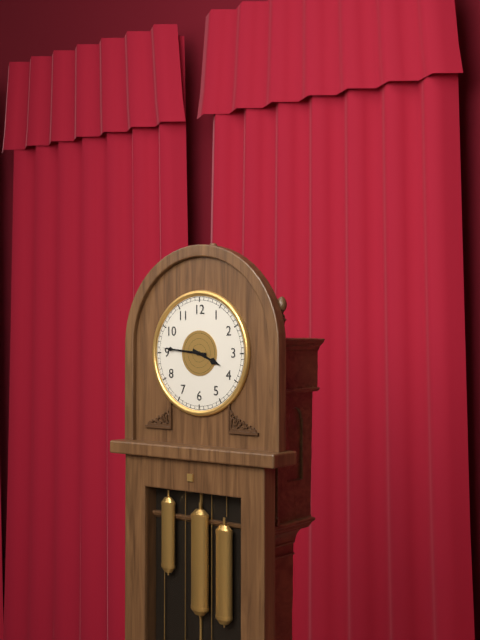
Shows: 3:46
